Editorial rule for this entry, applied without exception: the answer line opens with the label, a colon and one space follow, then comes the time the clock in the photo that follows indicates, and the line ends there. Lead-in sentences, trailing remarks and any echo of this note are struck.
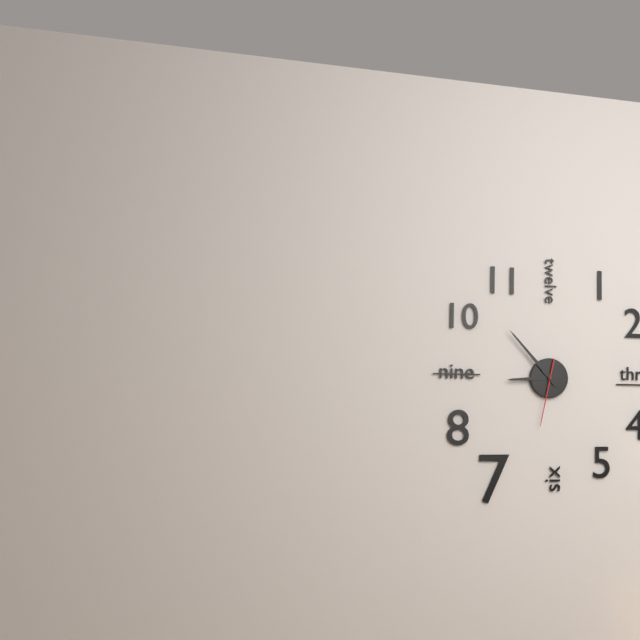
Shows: 8:53:32
